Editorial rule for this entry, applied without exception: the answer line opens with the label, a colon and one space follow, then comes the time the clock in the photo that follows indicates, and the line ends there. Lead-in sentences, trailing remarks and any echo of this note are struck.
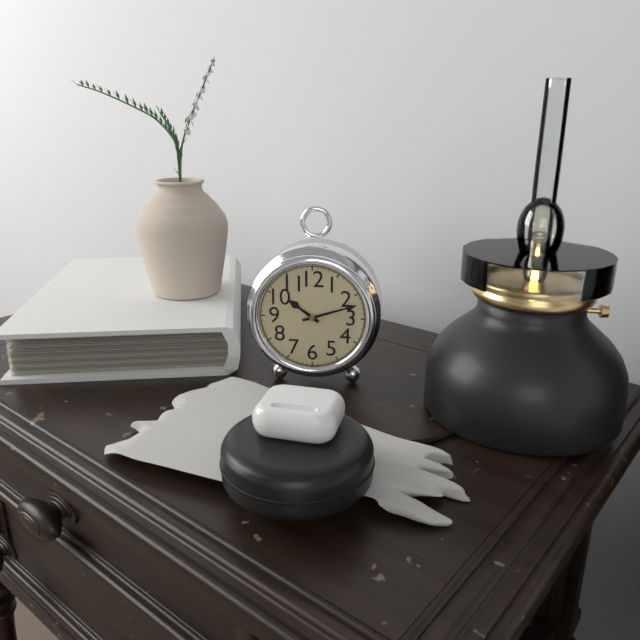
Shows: 10:12
